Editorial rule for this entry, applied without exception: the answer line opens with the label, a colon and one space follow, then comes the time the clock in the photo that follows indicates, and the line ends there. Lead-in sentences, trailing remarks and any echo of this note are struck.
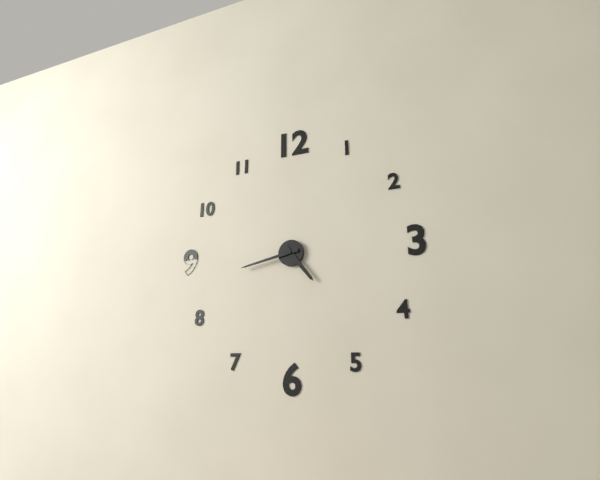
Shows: 4:43
